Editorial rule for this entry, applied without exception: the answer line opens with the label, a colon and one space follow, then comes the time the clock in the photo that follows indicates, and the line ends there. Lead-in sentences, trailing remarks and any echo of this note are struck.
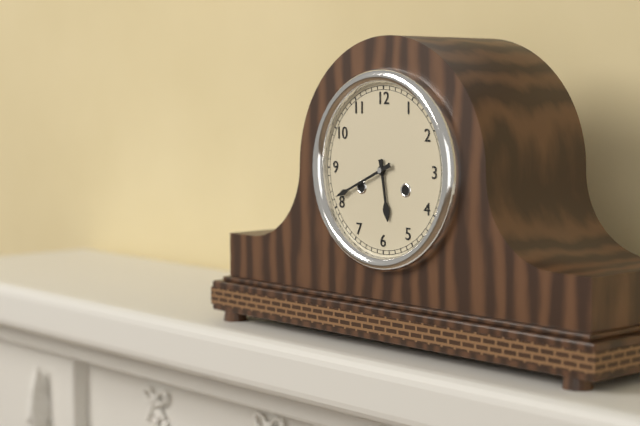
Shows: 5:41
